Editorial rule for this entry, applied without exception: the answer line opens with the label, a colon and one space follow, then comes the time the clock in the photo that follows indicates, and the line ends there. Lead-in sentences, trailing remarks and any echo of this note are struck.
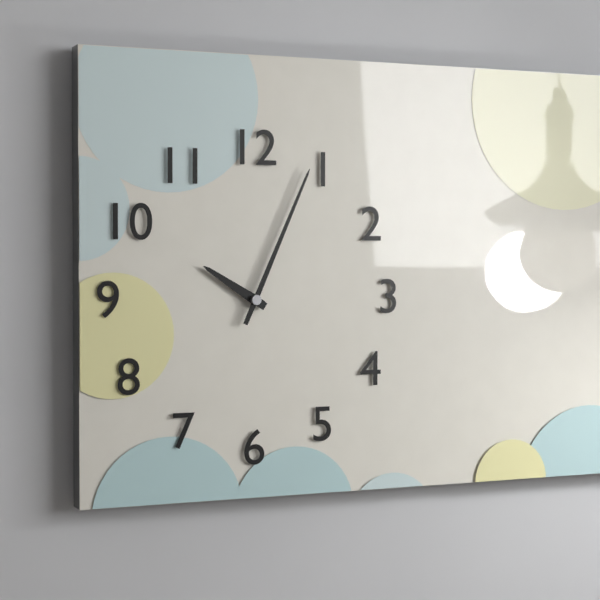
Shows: 10:04
